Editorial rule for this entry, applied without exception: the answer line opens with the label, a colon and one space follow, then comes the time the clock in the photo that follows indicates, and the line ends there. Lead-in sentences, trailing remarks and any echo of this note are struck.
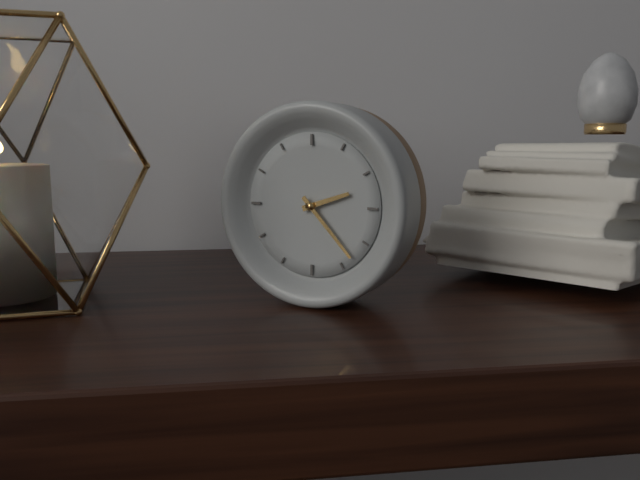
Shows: 2:23
